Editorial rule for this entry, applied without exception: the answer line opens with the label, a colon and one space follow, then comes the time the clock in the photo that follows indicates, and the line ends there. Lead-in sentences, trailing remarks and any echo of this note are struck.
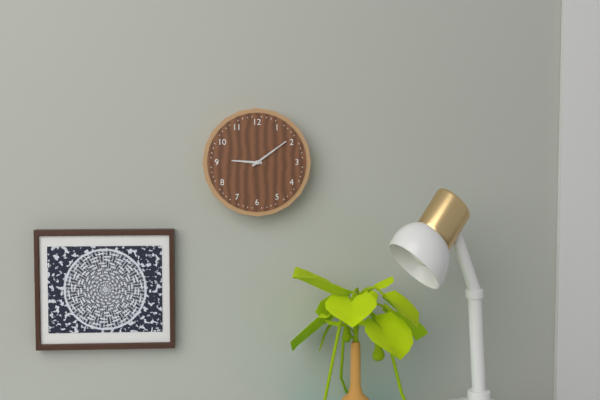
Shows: 9:09
